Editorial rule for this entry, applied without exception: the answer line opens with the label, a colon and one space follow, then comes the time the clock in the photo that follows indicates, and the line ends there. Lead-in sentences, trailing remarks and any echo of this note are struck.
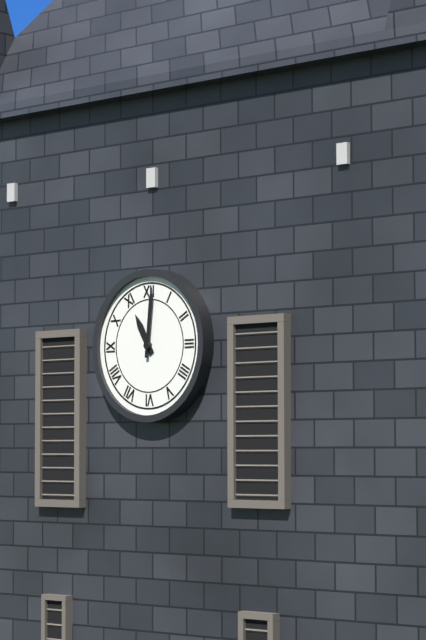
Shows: 11:01
